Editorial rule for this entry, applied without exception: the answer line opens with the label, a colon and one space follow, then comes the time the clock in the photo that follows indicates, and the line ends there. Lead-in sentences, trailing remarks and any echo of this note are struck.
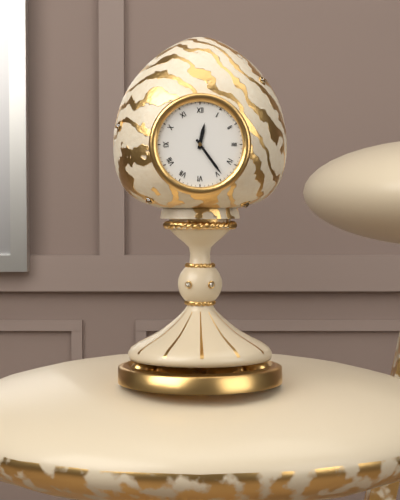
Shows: 12:24
